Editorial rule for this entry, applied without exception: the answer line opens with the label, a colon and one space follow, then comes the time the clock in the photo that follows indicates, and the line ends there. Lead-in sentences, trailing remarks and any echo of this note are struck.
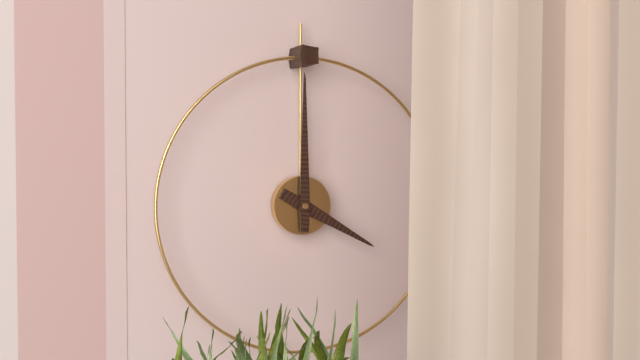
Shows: 4:00
